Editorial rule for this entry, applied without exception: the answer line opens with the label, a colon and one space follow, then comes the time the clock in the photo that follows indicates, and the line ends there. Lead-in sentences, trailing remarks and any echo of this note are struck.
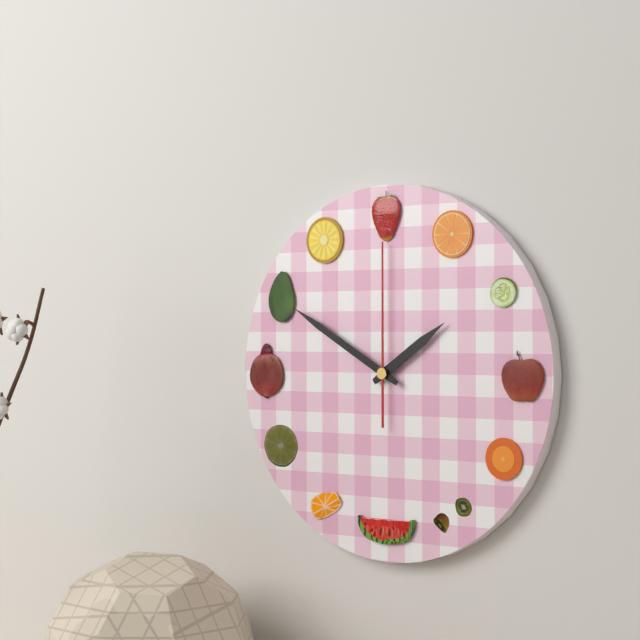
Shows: 1:50:00
